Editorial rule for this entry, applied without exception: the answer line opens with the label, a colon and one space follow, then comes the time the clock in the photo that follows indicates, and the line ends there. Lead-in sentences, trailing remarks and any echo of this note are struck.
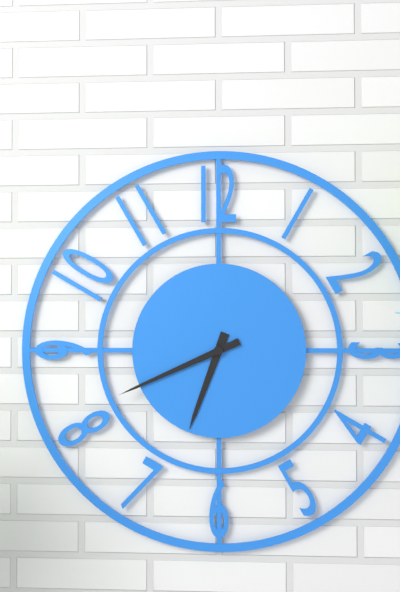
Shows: 6:41
